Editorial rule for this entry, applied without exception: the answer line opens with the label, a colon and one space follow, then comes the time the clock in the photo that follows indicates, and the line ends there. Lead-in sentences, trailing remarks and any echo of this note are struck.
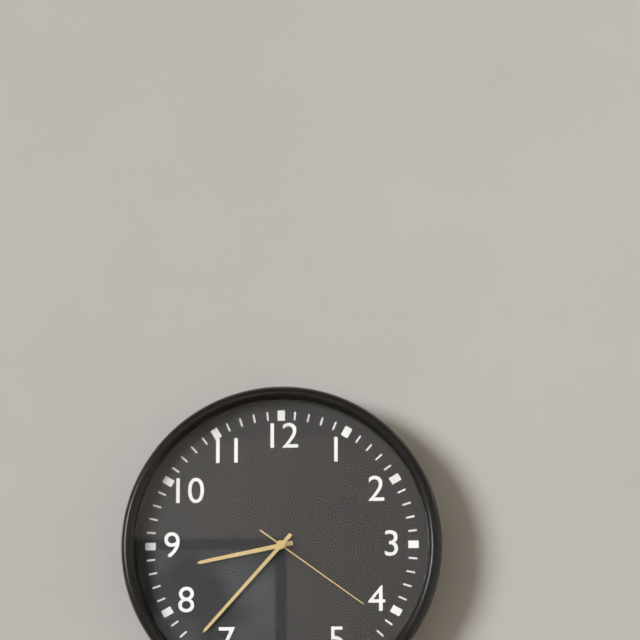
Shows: 8:37:21
